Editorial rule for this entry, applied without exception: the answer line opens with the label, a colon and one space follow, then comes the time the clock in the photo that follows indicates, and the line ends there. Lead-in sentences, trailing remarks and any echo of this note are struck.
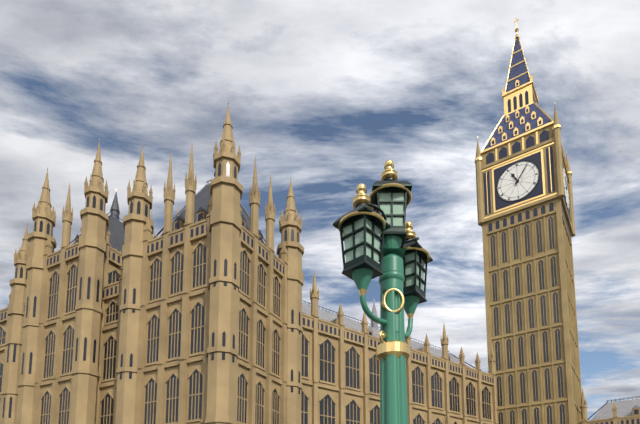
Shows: 11:06
